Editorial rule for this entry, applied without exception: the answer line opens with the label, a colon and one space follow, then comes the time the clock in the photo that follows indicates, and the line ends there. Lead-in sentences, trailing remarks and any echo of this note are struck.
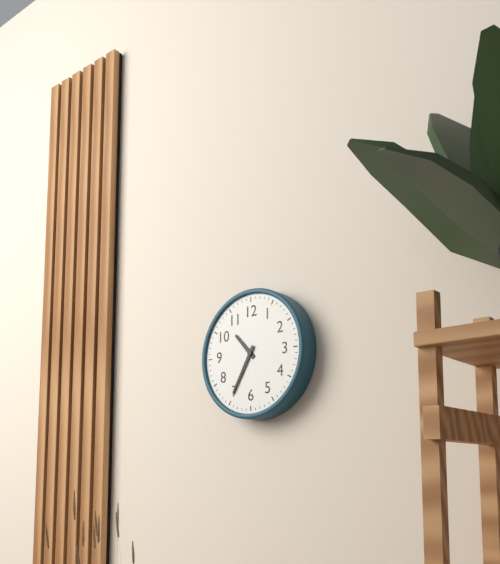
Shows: 10:35
